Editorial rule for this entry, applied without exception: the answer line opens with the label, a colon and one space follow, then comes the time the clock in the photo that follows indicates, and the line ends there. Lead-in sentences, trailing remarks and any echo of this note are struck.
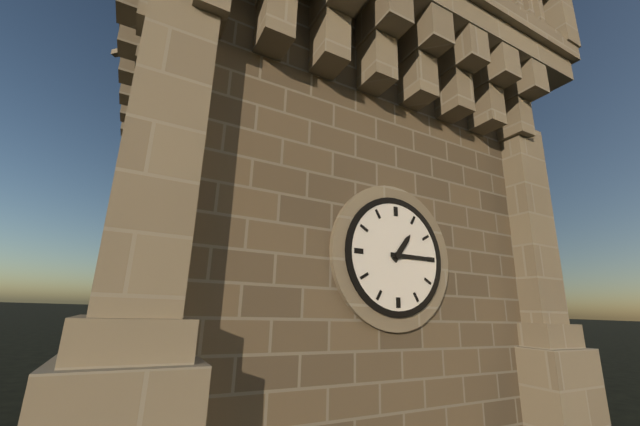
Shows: 1:15
